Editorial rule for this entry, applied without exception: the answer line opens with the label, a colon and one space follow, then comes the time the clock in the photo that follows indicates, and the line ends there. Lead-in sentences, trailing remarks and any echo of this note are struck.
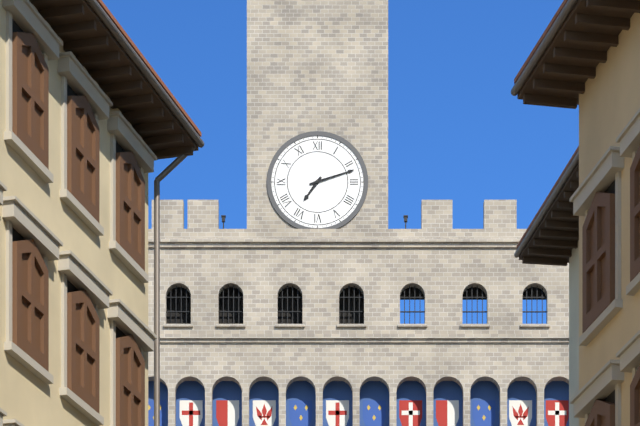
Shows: 7:12
